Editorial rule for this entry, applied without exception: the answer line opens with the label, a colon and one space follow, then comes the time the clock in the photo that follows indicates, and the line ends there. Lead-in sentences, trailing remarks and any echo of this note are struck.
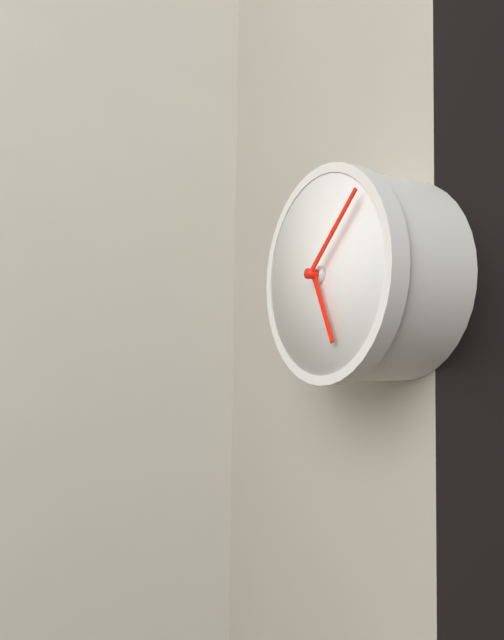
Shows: 5:08
